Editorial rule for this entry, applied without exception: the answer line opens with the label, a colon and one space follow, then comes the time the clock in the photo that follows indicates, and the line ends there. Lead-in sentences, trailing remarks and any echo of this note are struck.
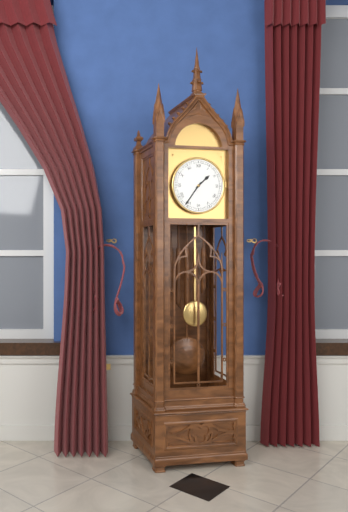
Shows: 1:36
